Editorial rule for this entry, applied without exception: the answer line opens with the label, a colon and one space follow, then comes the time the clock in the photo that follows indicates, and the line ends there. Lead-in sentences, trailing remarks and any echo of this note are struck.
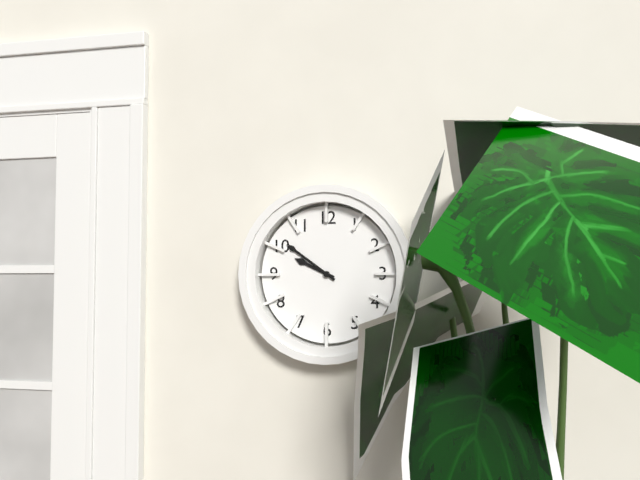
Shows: 9:51
